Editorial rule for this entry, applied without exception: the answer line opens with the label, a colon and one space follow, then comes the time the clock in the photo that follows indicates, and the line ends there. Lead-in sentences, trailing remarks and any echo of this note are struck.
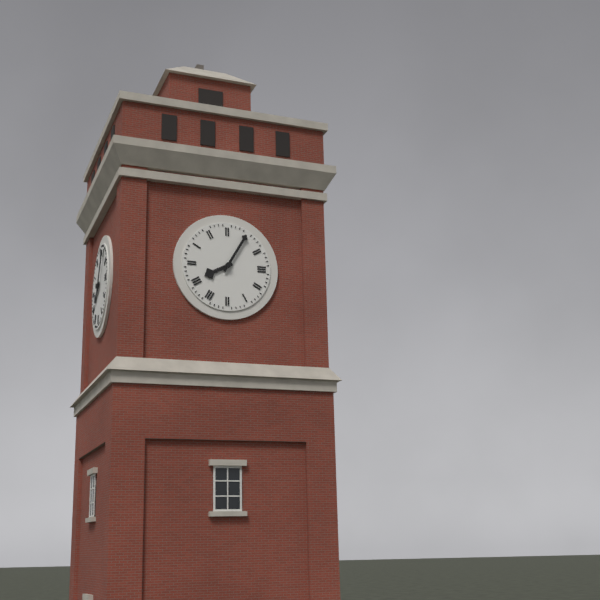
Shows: 8:05
